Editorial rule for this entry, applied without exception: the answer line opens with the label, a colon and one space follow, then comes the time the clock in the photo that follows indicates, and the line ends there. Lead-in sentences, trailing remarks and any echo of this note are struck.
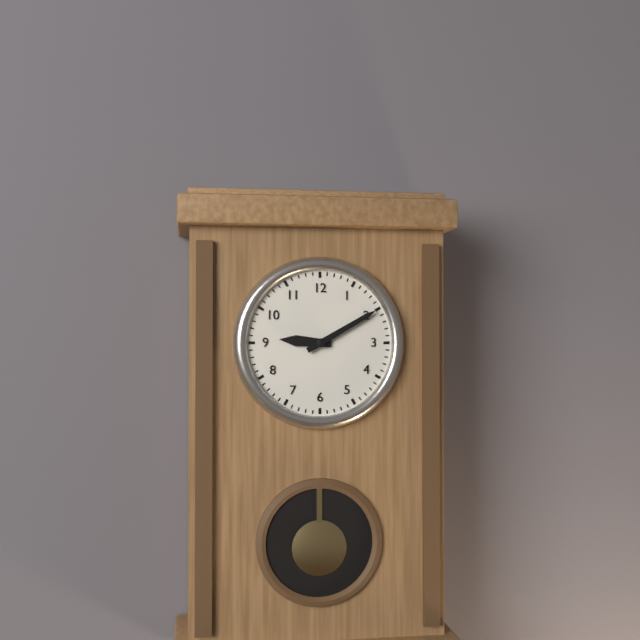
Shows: 9:10
